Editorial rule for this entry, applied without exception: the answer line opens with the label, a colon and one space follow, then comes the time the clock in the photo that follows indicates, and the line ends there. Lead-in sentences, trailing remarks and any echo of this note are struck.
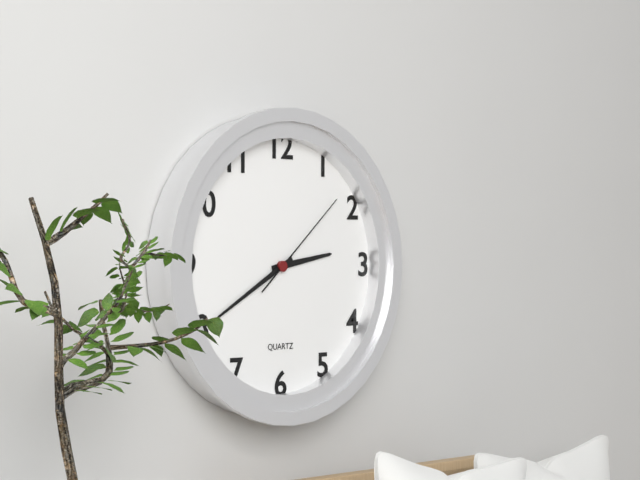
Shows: 2:40:08
